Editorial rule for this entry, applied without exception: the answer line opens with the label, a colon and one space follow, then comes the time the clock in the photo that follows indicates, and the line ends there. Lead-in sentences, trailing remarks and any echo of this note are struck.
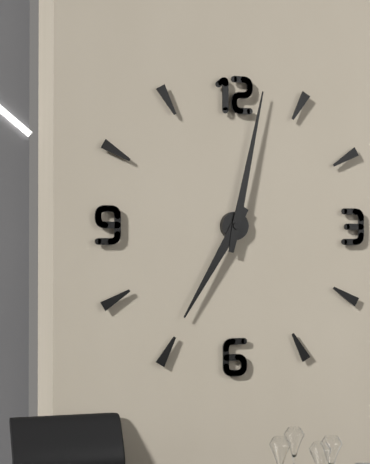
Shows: 7:02
